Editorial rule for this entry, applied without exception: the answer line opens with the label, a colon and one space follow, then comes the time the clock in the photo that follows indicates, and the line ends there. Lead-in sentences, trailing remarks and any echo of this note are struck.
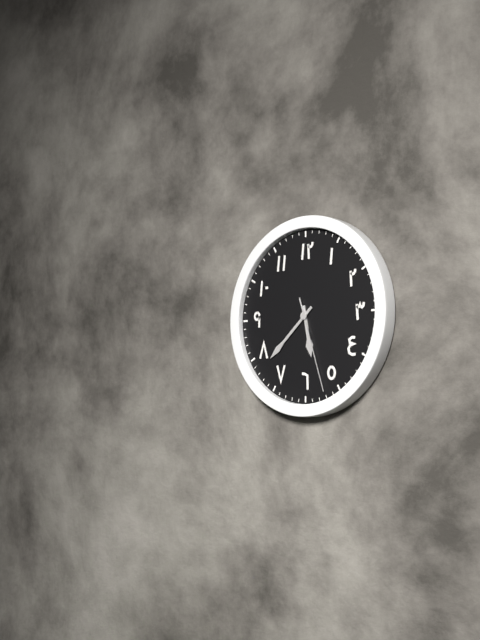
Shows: 5:38:27
